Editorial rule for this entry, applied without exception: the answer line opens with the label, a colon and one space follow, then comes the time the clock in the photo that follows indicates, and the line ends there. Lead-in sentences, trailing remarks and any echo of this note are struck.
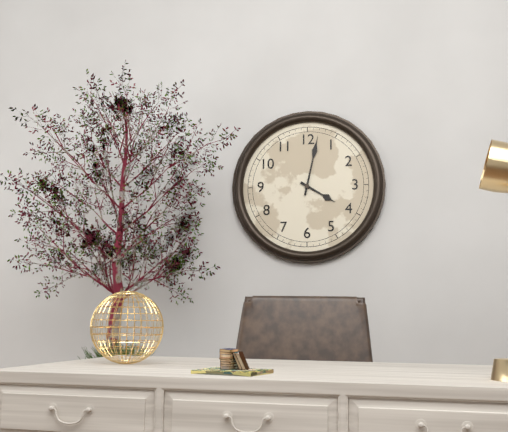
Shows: 4:02
